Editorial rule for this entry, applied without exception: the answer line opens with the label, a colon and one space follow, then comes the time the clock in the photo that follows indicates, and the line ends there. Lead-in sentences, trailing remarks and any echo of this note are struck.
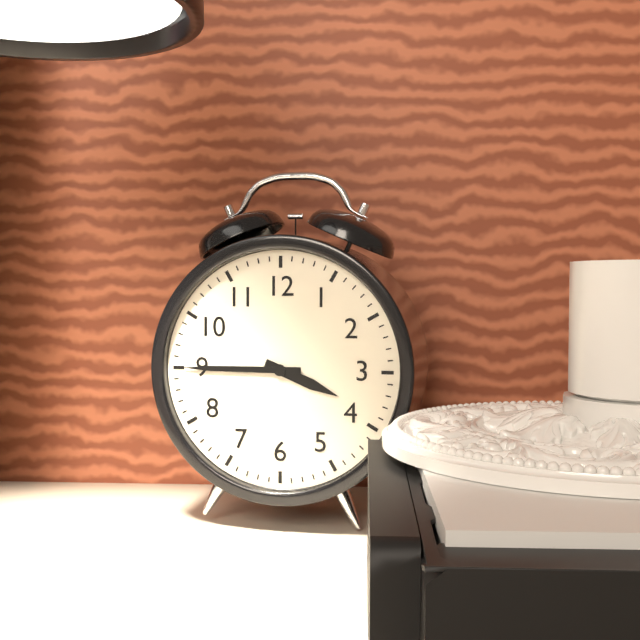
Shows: 3:45
